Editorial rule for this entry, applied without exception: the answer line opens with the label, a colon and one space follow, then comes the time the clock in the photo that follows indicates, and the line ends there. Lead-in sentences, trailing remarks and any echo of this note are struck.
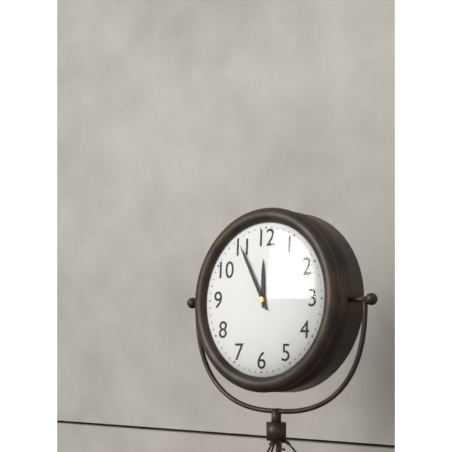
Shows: 11:55
